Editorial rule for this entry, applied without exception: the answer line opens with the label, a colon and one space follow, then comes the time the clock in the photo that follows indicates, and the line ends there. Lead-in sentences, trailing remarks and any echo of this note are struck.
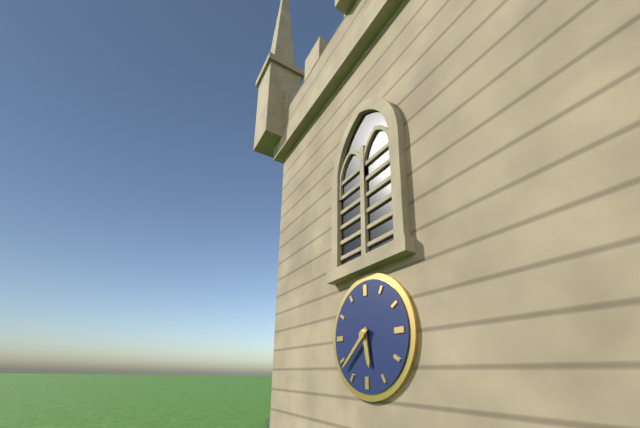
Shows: 5:38
